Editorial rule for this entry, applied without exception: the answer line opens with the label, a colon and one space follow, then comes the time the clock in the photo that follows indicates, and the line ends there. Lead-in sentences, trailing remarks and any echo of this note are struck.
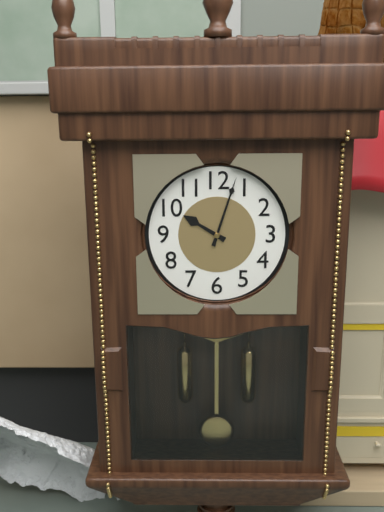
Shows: 10:03
